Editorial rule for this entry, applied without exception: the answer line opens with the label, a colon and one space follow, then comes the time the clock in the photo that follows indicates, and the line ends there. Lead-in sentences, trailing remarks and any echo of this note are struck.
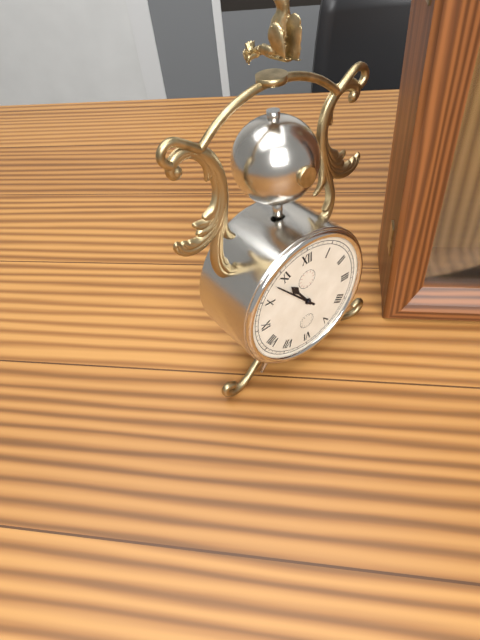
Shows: 10:53
